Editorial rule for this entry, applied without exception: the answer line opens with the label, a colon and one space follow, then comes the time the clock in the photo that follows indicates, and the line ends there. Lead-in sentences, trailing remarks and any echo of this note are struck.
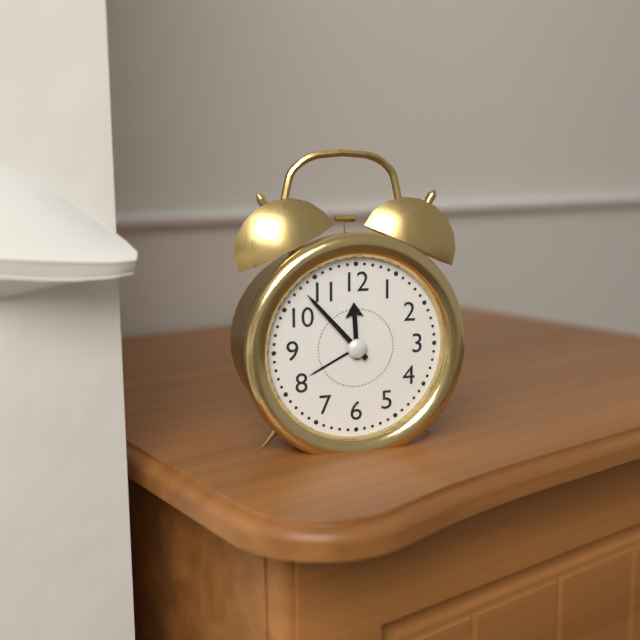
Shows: 11:53
